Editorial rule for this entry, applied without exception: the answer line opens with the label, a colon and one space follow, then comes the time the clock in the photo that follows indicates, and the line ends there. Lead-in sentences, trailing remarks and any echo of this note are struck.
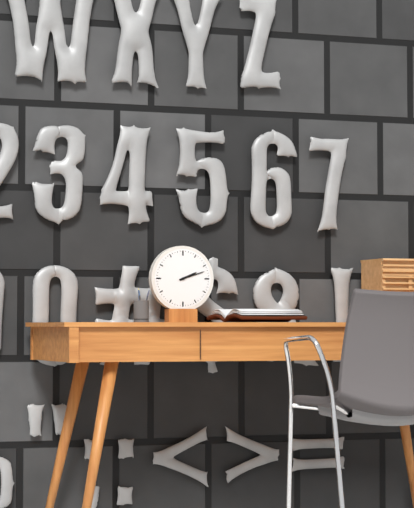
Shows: 2:12
